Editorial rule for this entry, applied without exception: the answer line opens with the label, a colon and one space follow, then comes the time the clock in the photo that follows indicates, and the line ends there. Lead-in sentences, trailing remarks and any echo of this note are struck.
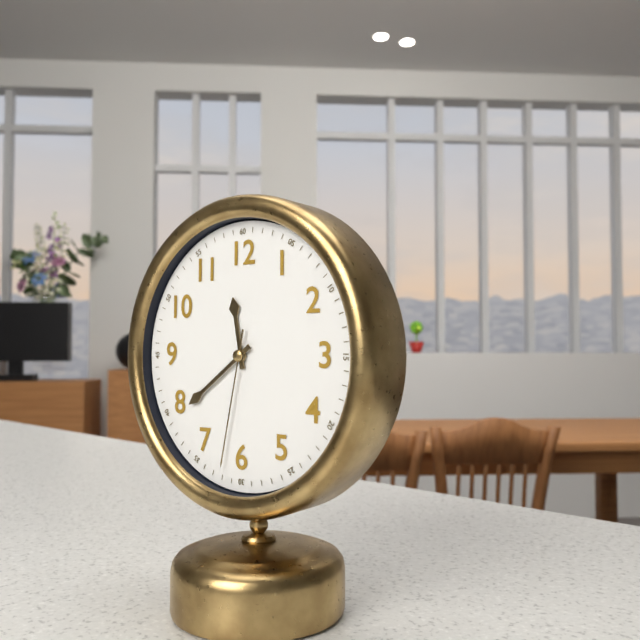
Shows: 11:39:32
